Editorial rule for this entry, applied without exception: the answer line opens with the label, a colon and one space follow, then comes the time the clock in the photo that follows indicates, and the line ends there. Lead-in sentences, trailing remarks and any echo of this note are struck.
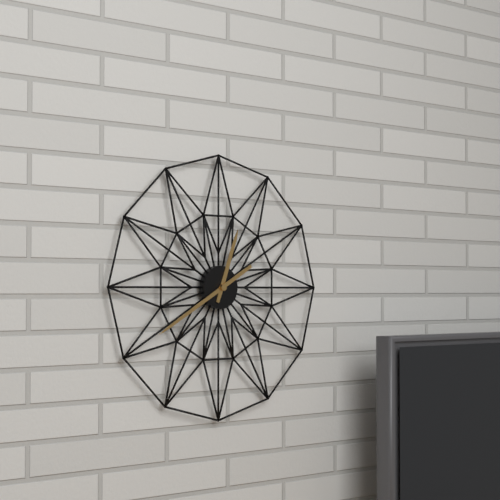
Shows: 12:40
